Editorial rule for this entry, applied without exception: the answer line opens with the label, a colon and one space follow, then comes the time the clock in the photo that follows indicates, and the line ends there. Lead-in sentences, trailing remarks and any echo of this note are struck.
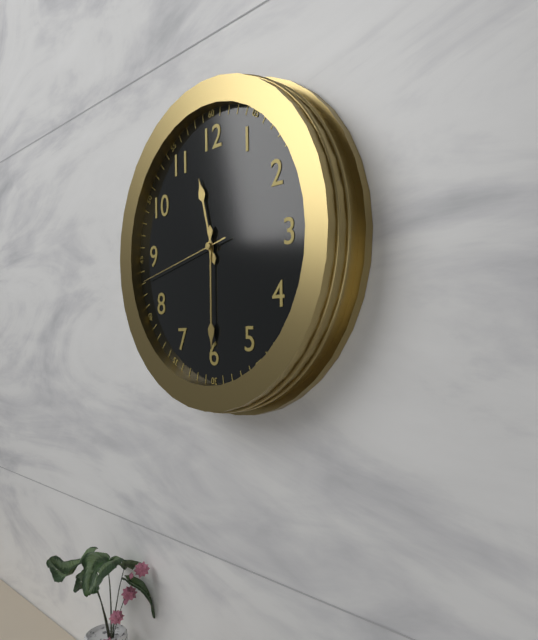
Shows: 11:30:43
